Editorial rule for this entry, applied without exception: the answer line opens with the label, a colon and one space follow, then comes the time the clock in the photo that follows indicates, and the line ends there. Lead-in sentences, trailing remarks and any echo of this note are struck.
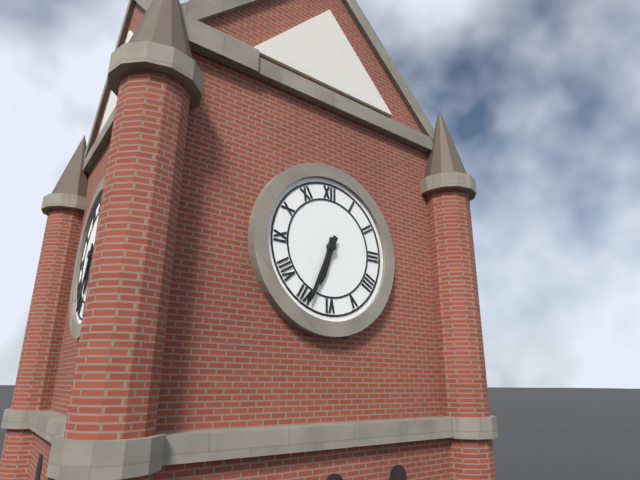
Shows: 6:34
